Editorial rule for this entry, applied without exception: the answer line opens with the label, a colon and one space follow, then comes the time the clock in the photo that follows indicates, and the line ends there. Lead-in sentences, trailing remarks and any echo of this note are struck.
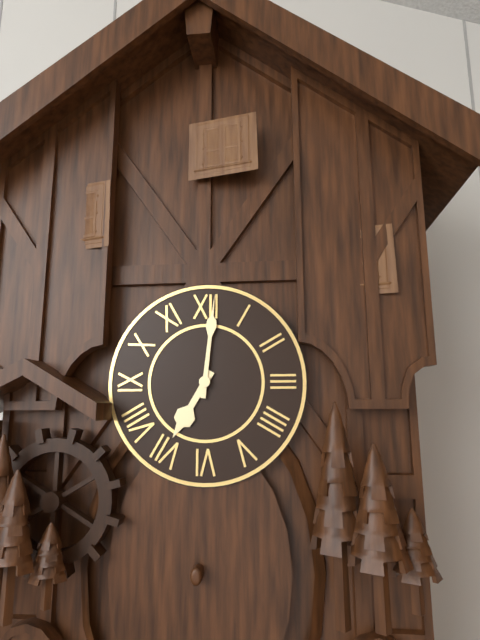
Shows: 7:01
